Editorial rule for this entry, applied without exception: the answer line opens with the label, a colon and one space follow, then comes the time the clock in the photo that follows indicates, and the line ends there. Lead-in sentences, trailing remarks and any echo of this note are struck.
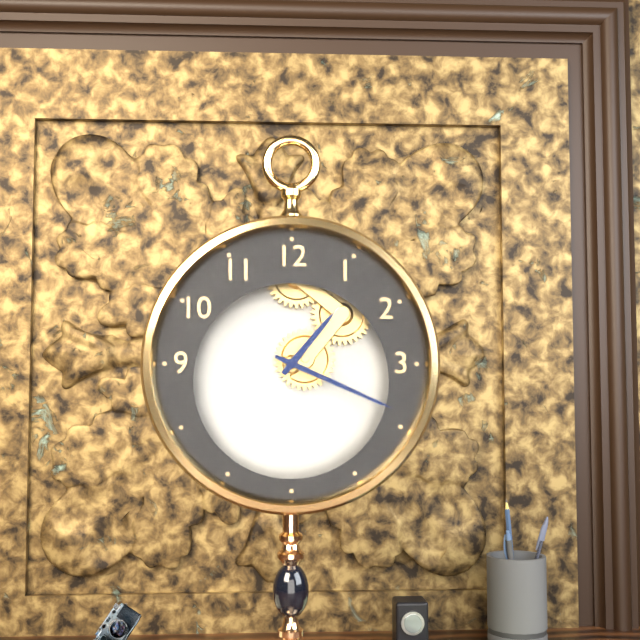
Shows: 1:19
